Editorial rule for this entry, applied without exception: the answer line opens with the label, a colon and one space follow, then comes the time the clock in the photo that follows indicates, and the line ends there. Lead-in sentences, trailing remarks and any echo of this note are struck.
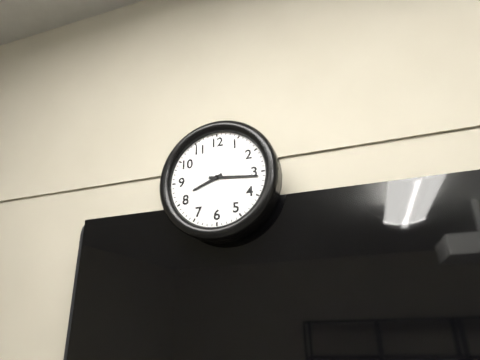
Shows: 8:16
